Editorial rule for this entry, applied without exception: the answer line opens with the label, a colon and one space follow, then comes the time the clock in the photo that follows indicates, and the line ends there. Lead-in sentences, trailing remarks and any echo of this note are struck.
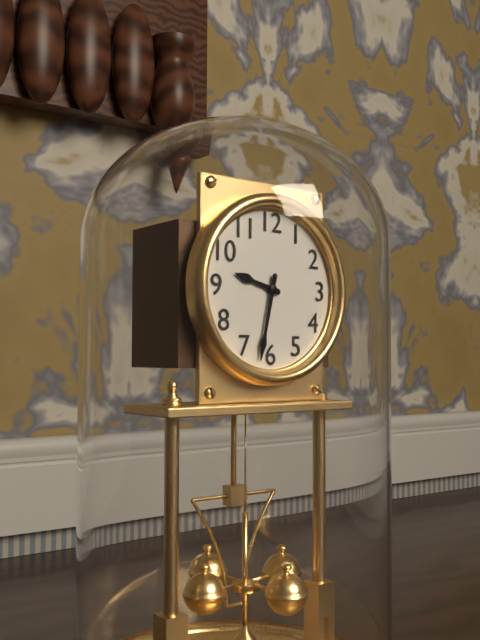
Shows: 9:32
